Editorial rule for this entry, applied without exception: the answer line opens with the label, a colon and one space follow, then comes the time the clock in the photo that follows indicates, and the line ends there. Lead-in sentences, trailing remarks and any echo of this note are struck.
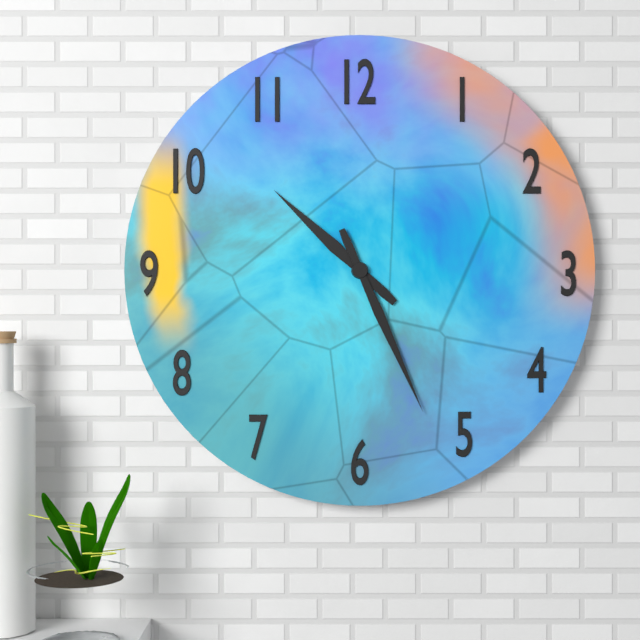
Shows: 10:26
